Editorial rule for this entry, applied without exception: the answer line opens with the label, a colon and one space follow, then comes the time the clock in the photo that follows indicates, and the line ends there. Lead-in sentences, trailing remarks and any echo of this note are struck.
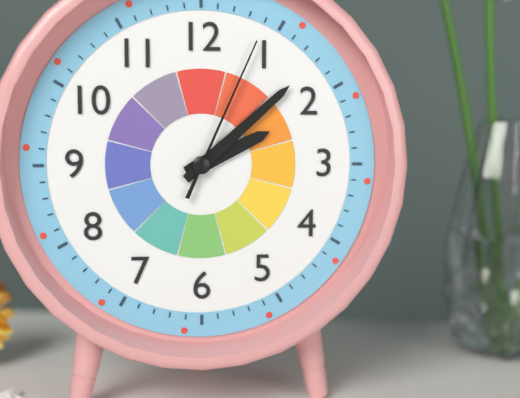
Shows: 2:08:04
